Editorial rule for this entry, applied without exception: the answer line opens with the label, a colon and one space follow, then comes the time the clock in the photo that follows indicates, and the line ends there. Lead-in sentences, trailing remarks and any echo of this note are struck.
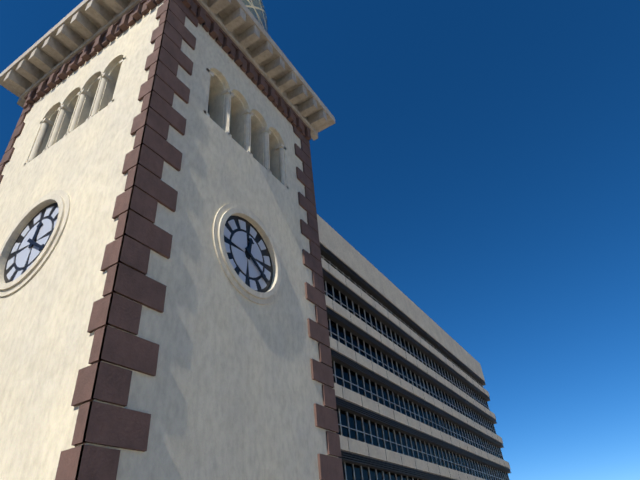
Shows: 12:21
